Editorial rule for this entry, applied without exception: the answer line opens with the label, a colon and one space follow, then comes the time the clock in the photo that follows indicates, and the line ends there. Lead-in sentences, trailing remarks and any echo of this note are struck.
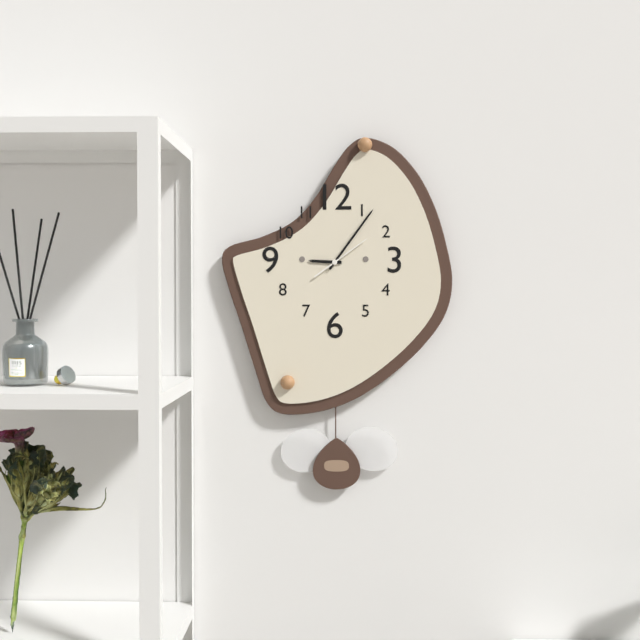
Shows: 9:06:09
